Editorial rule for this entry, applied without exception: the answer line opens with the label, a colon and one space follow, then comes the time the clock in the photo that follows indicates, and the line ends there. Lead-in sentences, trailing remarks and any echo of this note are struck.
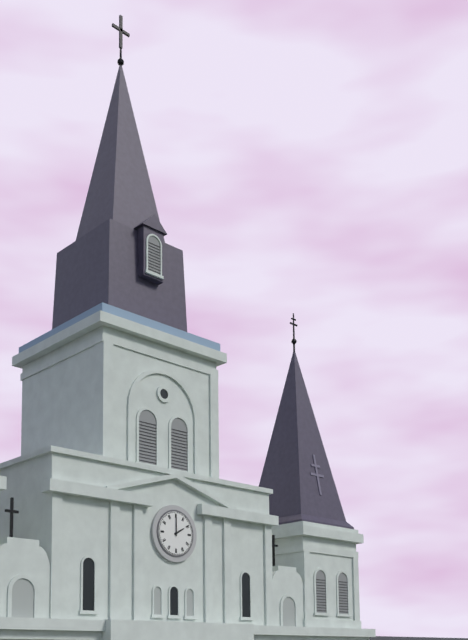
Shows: 2:00
